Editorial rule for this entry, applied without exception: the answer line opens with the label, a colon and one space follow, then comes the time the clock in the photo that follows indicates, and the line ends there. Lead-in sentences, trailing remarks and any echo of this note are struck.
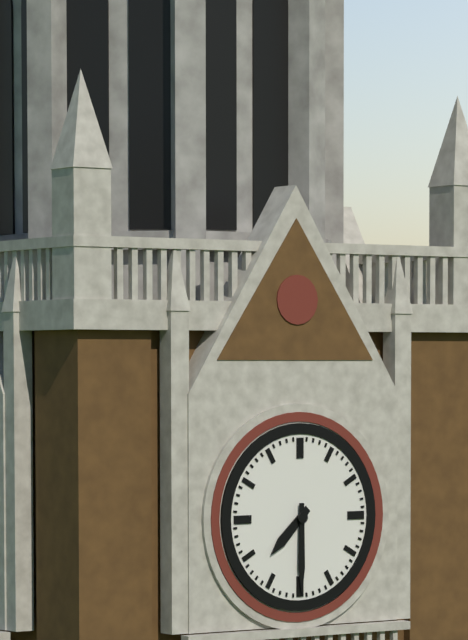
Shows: 7:30
